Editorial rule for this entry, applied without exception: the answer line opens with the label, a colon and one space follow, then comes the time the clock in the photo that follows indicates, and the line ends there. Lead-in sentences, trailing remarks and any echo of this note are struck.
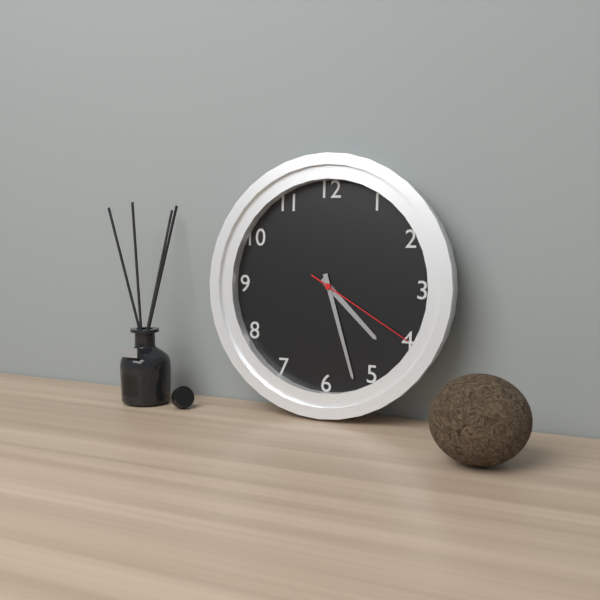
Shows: 4:27:20
